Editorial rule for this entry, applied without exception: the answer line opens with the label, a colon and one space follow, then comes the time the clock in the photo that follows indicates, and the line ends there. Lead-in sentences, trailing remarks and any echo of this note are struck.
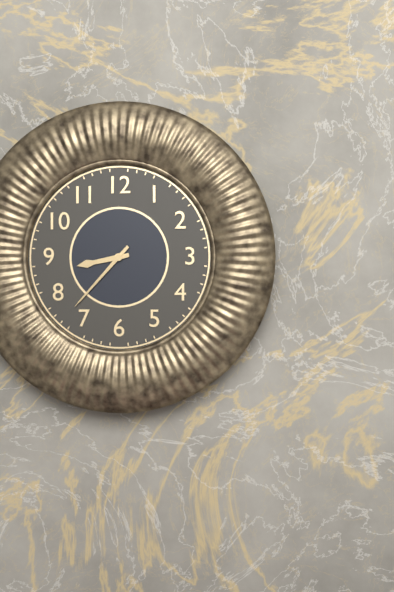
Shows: 8:37
